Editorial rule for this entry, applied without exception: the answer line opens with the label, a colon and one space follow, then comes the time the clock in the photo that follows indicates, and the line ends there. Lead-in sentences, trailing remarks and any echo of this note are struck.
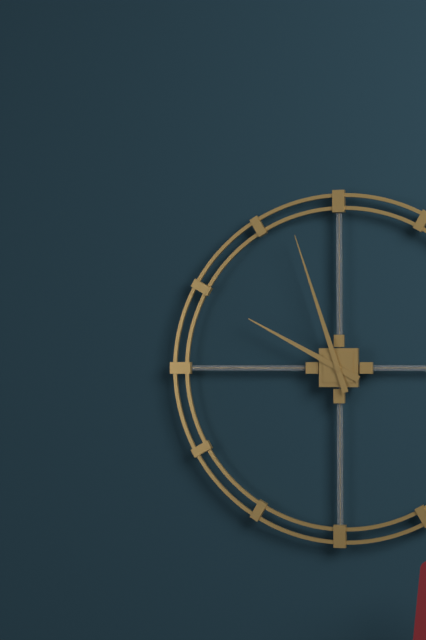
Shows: 9:57
